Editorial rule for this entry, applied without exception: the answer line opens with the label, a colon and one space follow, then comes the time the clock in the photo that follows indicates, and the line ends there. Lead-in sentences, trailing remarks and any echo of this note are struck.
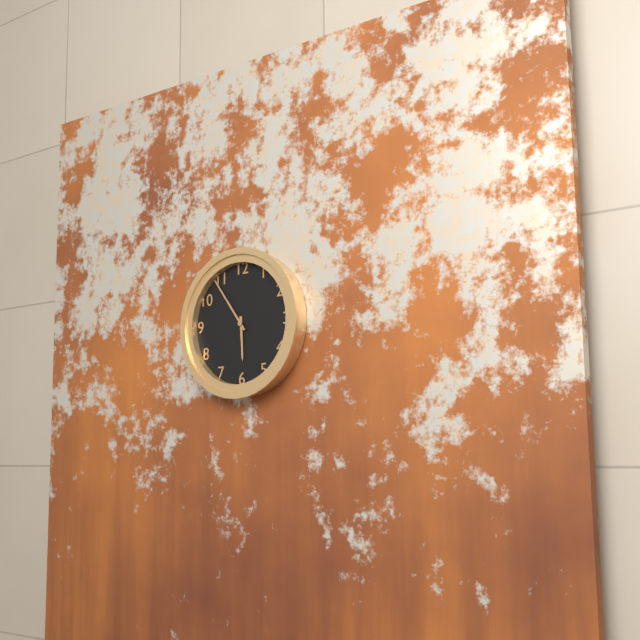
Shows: 5:54
